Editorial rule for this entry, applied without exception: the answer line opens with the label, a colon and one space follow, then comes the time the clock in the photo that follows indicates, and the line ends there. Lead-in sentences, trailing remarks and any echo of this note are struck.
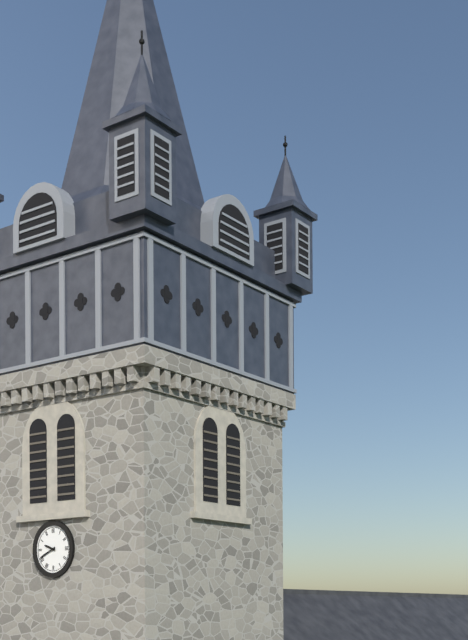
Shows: 9:41
